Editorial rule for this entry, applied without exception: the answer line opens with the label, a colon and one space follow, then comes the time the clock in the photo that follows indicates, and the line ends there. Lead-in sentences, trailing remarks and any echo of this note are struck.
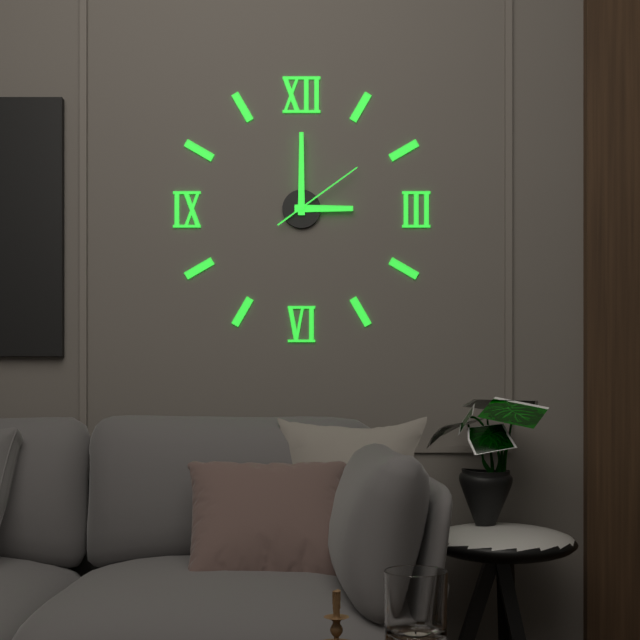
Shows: 3:00:09
